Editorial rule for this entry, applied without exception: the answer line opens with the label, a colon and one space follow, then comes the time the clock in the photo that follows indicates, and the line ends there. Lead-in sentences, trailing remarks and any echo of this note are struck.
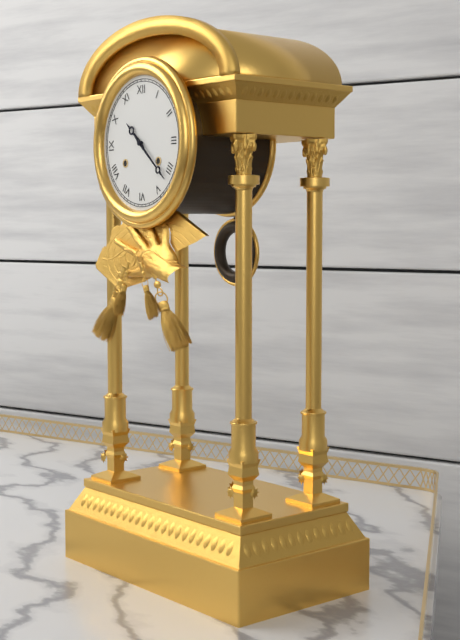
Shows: 10:22
